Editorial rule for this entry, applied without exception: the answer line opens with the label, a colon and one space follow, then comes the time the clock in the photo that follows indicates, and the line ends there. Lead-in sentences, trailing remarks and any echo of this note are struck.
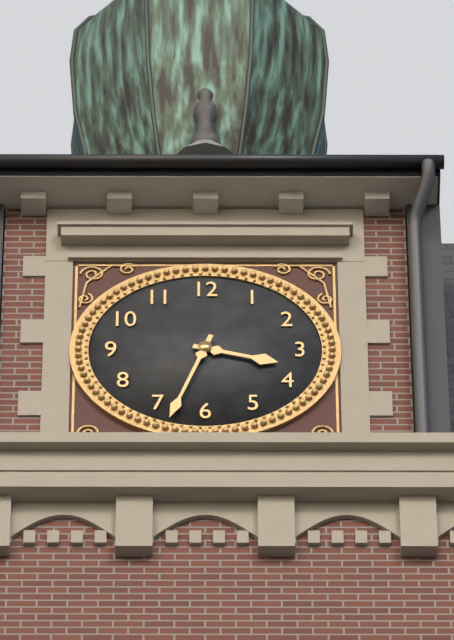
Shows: 3:33
